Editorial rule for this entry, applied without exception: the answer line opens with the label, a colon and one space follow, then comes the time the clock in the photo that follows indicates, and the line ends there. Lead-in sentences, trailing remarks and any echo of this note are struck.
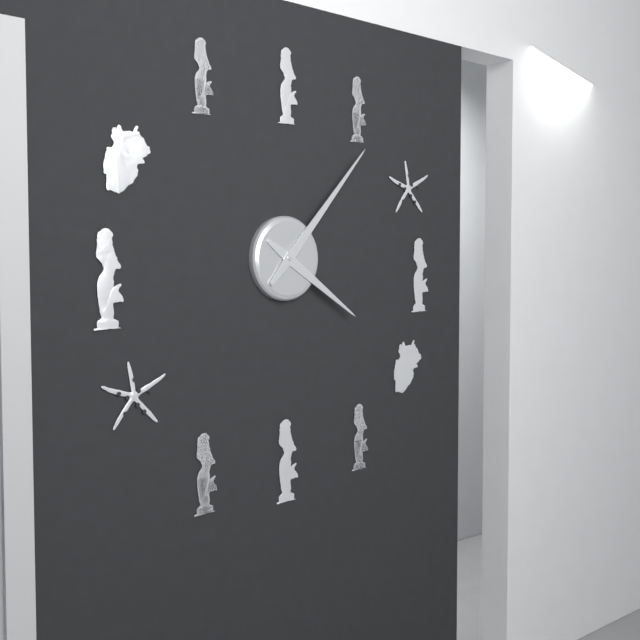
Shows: 4:07
